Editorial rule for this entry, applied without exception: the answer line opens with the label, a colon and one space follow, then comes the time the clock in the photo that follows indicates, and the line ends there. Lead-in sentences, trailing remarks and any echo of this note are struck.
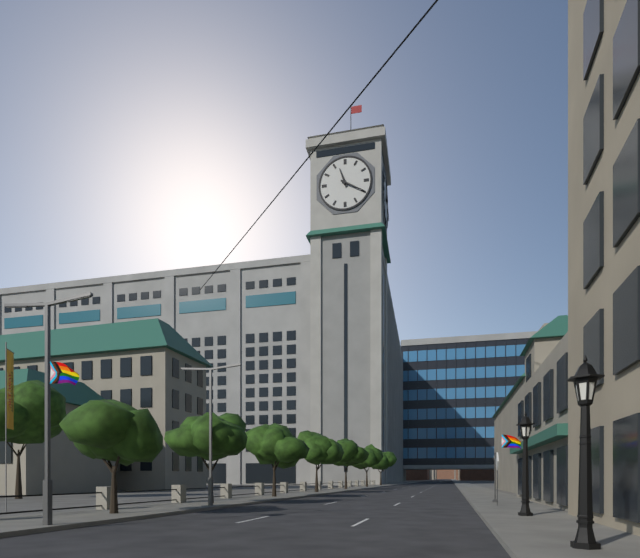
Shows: 11:20
